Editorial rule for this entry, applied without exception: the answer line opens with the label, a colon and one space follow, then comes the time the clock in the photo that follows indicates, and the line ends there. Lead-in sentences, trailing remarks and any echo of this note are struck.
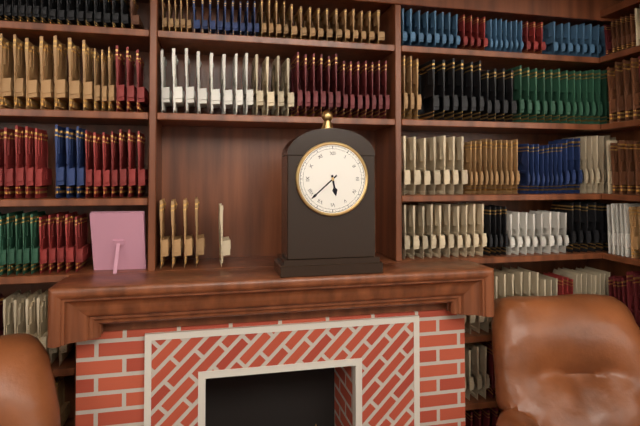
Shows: 5:38
